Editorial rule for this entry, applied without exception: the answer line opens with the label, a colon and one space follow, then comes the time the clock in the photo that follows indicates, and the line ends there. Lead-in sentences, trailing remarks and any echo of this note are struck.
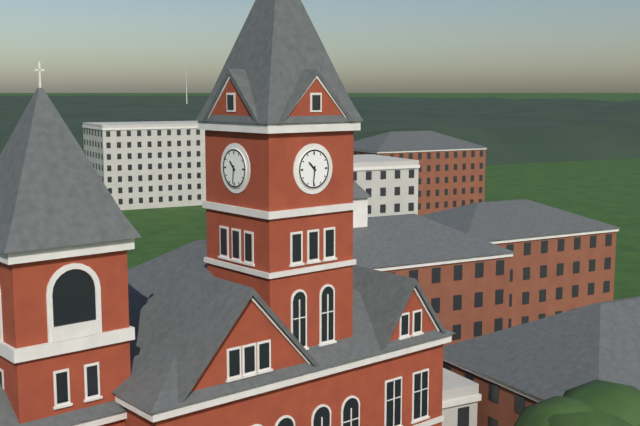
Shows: 10:31
